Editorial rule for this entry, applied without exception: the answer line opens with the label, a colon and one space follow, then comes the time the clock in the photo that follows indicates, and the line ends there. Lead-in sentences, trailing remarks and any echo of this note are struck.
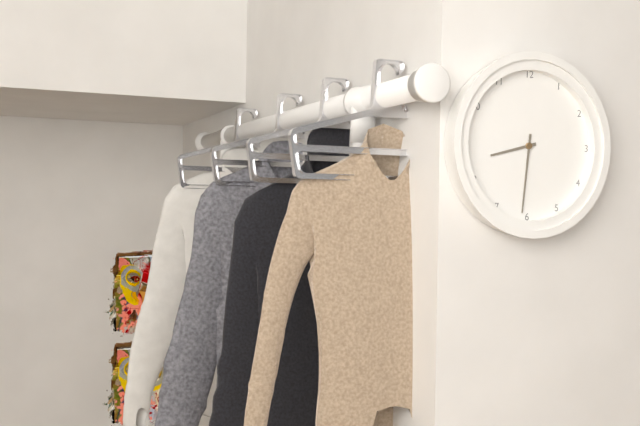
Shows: 8:31
